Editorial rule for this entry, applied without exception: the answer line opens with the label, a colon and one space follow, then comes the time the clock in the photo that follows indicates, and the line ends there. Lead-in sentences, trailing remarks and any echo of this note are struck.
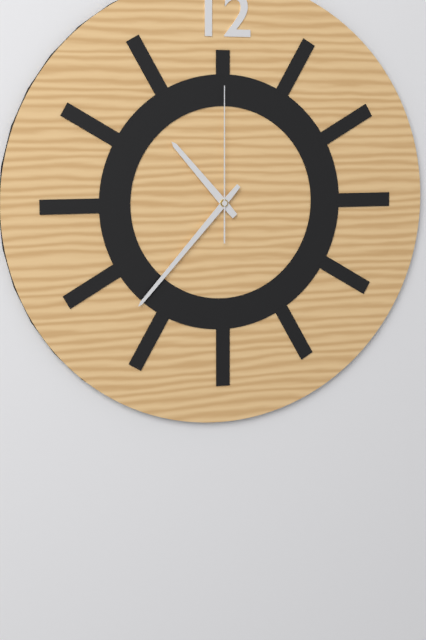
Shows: 10:37:00
